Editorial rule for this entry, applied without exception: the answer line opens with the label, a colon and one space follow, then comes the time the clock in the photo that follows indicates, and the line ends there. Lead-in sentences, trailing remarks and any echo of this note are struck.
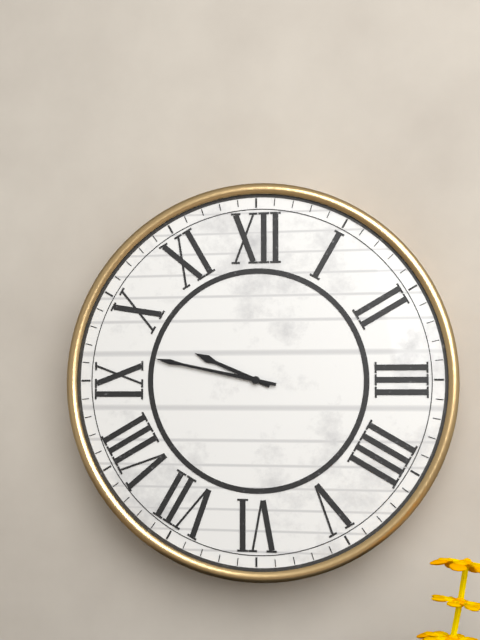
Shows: 9:47
